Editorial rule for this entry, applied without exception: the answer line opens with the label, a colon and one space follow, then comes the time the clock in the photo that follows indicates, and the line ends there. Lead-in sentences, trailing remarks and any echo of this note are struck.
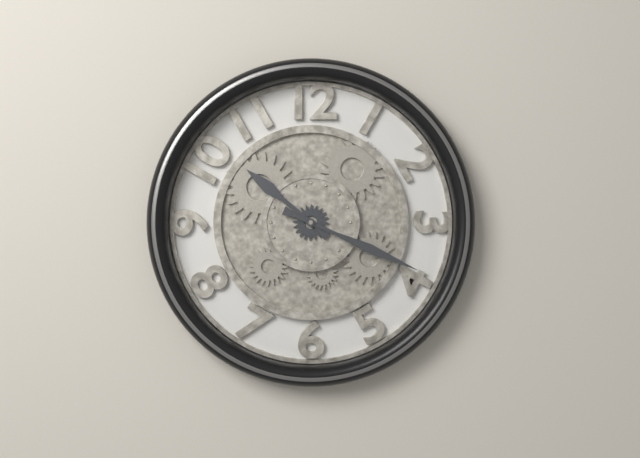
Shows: 10:19
